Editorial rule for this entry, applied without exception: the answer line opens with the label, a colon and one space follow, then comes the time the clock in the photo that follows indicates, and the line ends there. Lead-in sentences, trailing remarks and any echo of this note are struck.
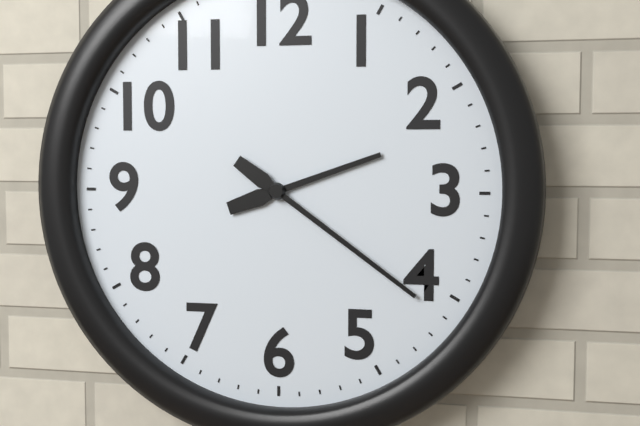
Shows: 2:21
